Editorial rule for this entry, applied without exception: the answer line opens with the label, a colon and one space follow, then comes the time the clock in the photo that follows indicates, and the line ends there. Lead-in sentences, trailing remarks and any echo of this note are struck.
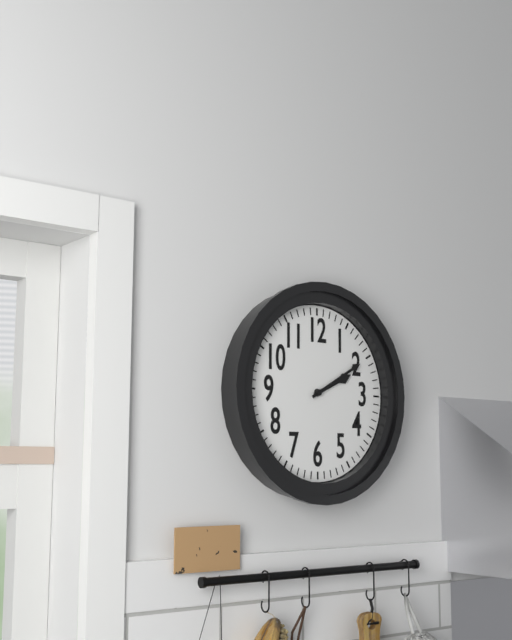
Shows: 2:10
